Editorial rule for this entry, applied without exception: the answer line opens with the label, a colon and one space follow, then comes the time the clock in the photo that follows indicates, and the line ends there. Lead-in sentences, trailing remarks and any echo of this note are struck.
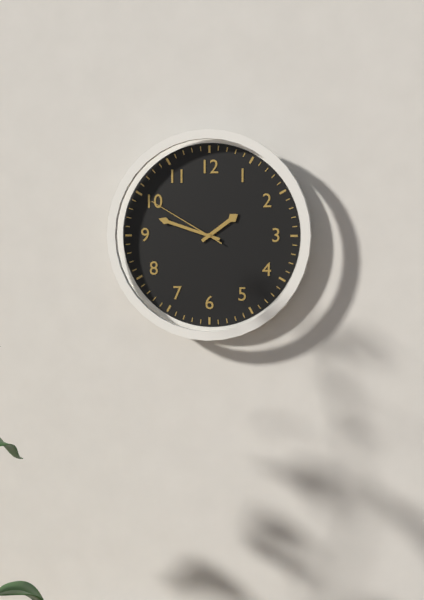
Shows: 1:48:50
